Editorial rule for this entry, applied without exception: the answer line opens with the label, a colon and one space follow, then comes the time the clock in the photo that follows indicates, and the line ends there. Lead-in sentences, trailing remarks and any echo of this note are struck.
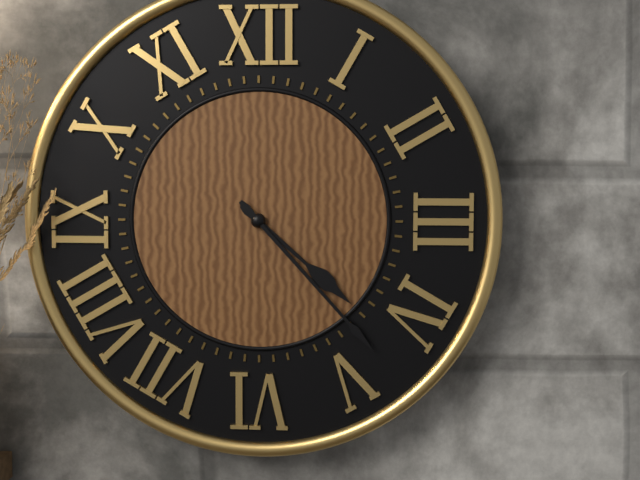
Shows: 4:23
